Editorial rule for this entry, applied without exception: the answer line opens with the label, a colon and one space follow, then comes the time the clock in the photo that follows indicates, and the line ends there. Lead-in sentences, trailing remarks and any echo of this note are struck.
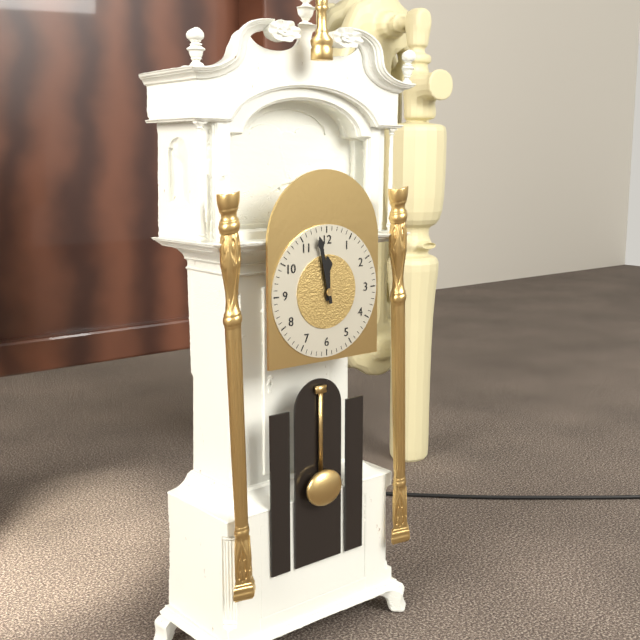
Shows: 11:58
